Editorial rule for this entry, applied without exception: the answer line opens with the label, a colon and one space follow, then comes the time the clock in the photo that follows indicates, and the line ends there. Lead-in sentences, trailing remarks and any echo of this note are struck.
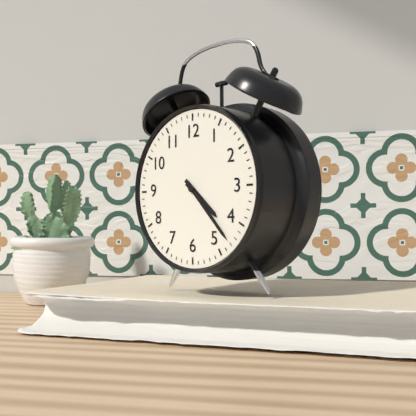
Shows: 4:23
